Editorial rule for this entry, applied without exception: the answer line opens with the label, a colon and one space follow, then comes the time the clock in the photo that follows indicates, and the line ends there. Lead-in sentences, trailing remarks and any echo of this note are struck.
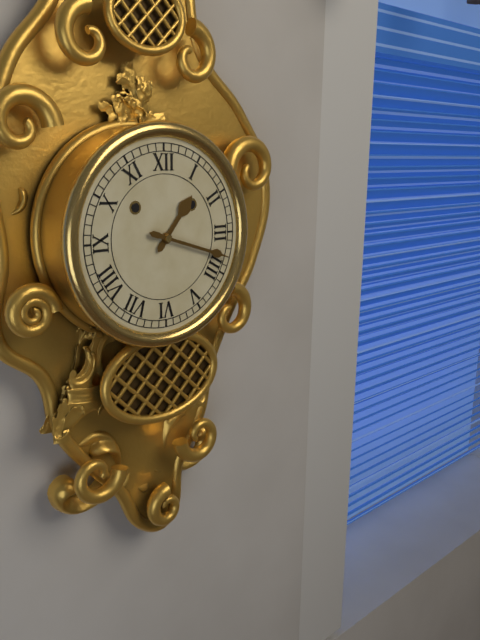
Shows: 1:18
